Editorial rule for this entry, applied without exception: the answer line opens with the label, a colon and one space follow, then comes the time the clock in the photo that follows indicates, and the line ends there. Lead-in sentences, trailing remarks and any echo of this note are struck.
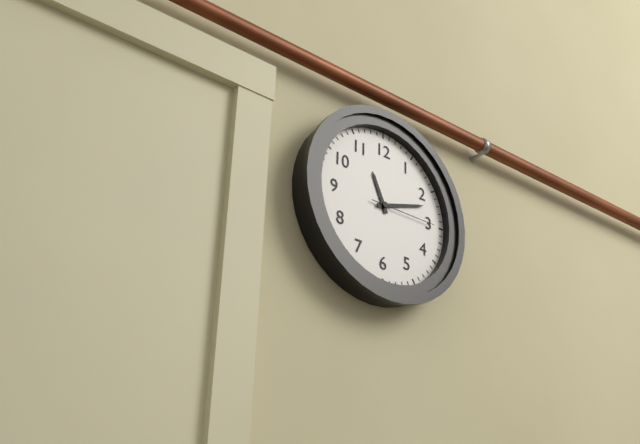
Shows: 11:12:15
